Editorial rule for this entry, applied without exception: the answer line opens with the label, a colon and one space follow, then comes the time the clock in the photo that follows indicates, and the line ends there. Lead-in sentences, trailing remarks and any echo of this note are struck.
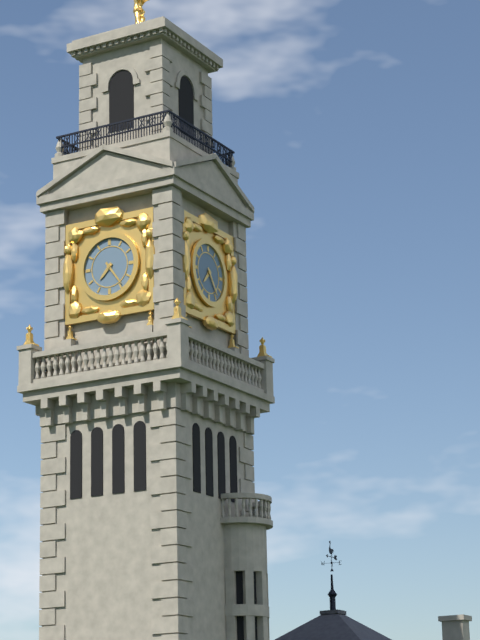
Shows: 7:24
